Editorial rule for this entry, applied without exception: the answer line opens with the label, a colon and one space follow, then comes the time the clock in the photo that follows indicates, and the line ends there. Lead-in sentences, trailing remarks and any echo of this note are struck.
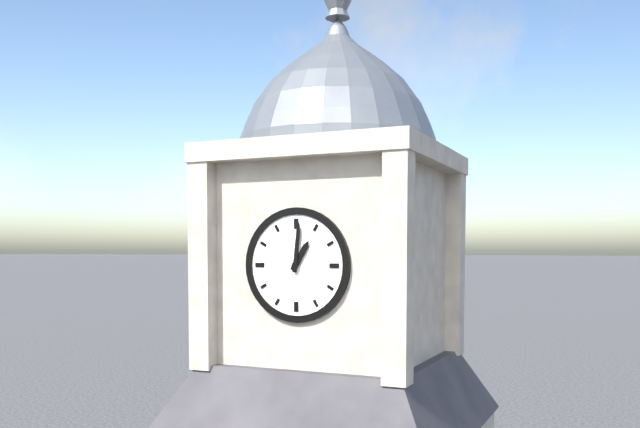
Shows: 1:01
